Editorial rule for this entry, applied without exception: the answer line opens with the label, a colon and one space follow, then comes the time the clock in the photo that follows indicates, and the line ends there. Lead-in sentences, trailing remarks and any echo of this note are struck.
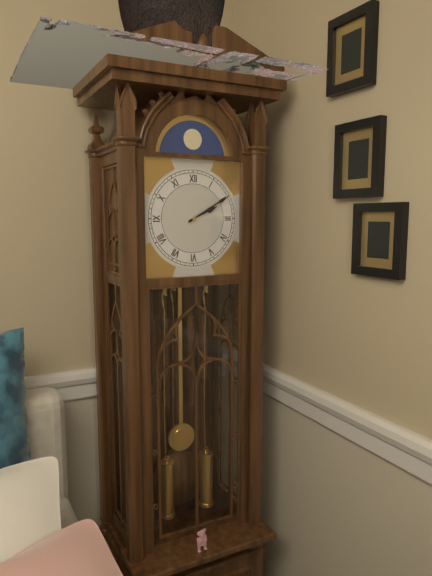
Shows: 2:10
